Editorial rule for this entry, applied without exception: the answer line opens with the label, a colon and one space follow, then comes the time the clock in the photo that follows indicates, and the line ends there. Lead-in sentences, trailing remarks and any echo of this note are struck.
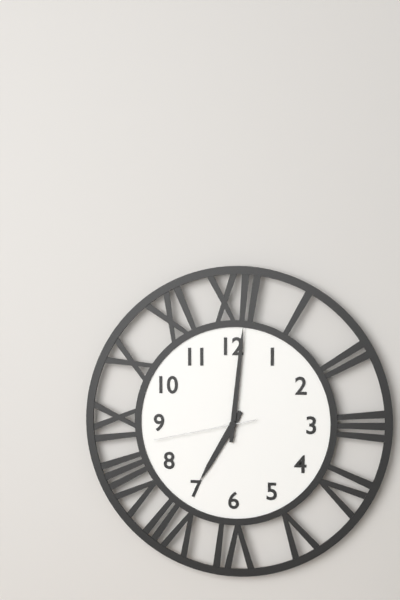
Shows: 7:01:43
